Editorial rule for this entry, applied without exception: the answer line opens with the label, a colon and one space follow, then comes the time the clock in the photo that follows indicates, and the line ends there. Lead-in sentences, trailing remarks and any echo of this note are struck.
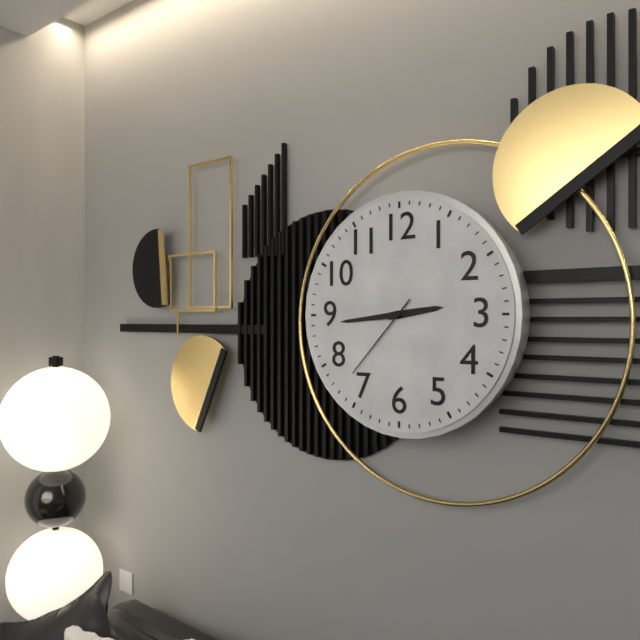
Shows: 2:44:37
